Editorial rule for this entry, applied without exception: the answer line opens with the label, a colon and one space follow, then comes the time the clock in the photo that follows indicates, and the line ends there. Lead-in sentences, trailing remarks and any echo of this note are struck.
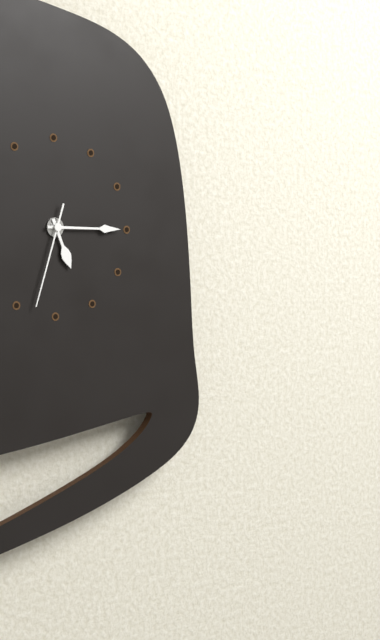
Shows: 5:15:33
